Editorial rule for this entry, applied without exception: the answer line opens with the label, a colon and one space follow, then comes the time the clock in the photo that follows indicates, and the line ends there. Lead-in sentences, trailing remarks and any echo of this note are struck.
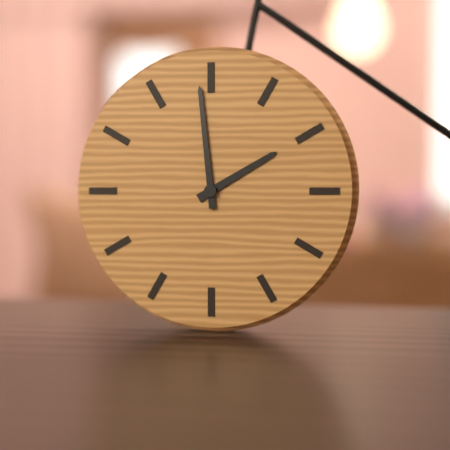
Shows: 1:59
